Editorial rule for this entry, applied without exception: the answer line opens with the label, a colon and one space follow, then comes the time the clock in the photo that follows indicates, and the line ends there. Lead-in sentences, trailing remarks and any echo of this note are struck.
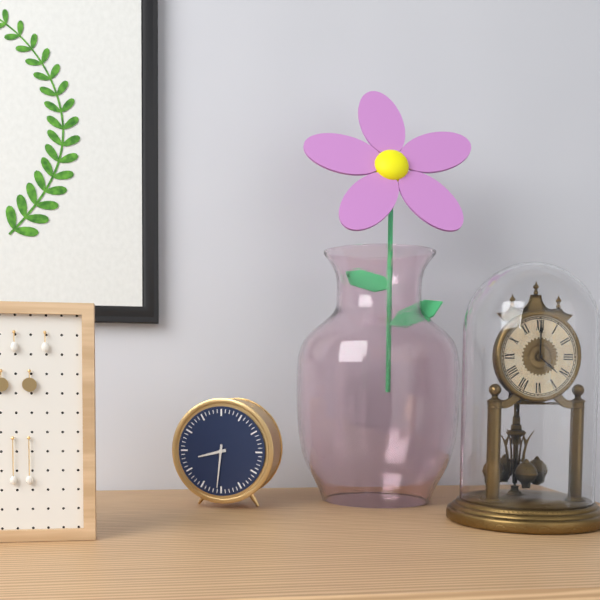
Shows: 8:31
